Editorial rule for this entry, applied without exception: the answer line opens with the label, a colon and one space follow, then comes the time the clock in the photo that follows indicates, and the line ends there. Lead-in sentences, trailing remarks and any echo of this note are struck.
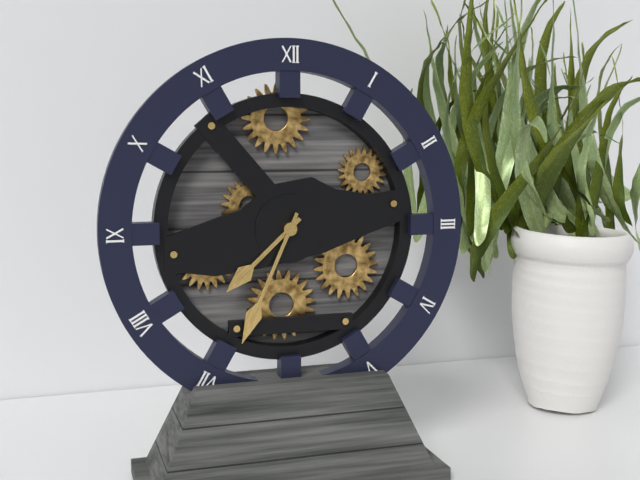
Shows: 7:34
